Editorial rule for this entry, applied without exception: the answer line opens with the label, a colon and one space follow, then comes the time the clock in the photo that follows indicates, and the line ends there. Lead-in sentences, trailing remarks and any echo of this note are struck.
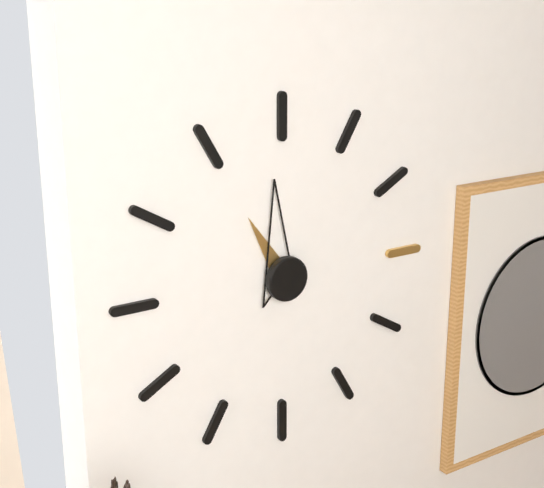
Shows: 10:59
